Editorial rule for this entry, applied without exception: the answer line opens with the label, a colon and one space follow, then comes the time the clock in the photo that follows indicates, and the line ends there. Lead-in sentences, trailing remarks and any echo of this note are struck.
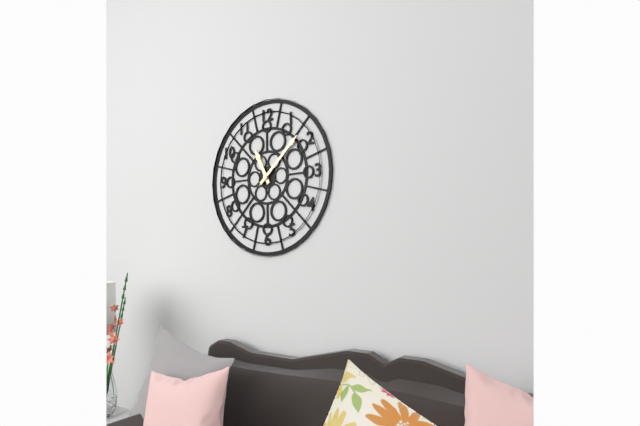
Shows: 11:08
